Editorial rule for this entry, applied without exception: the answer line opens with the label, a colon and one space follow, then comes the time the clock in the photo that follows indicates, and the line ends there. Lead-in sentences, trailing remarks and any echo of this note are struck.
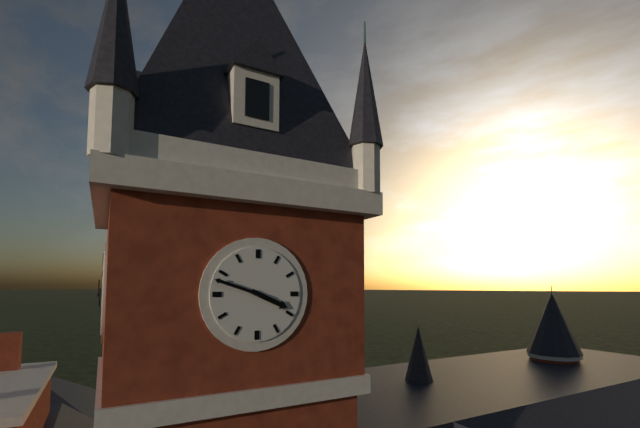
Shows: 3:48
